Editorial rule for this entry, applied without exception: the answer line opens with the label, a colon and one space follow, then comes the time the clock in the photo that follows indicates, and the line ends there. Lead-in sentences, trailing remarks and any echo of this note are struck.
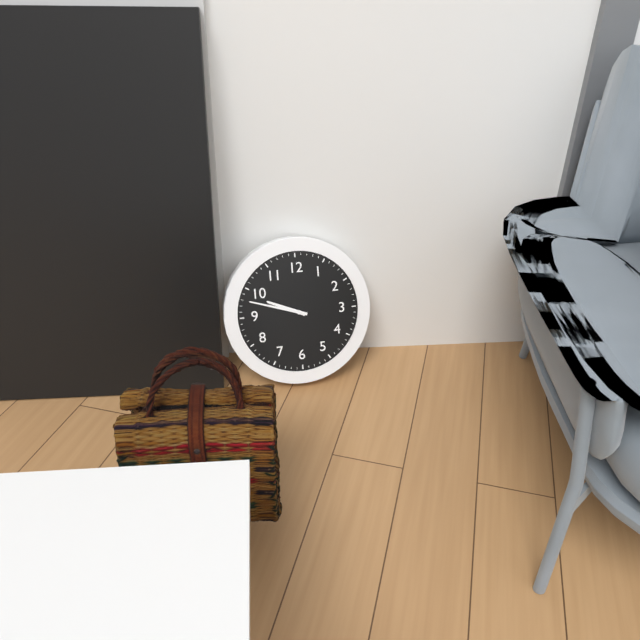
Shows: 9:48
